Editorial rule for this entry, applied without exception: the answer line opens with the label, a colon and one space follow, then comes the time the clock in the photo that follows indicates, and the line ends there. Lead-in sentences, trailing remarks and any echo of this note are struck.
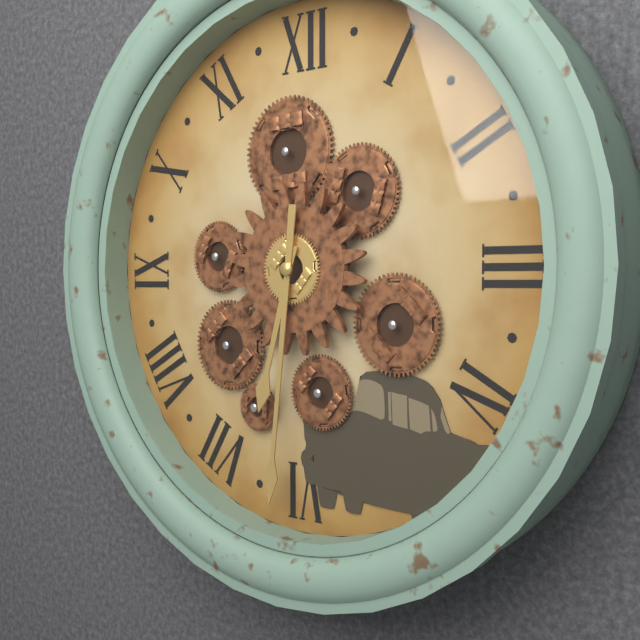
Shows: 6:31
